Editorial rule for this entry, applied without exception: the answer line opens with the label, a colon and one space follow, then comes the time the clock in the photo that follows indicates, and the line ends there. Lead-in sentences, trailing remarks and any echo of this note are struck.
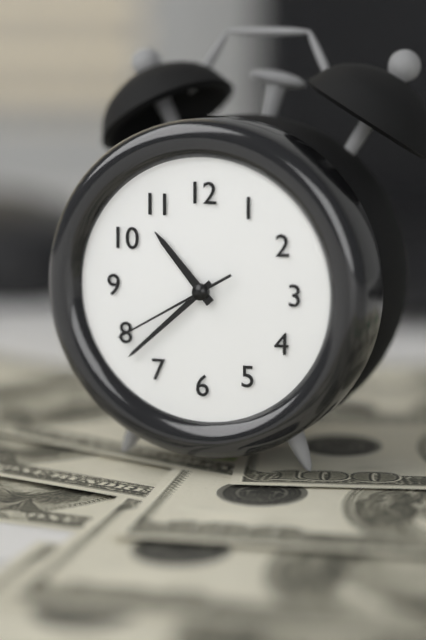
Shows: 10:38:40
